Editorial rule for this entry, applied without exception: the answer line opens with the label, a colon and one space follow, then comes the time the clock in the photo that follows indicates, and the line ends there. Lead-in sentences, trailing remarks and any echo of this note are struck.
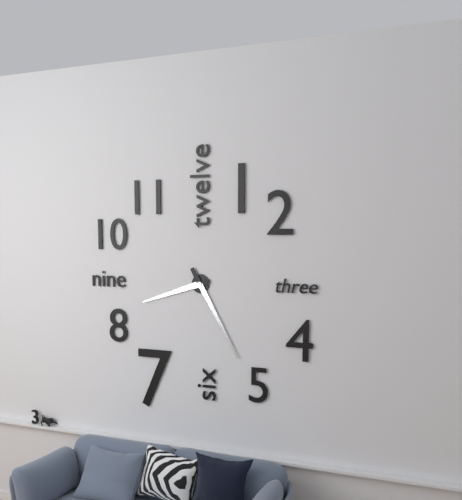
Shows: 8:25
